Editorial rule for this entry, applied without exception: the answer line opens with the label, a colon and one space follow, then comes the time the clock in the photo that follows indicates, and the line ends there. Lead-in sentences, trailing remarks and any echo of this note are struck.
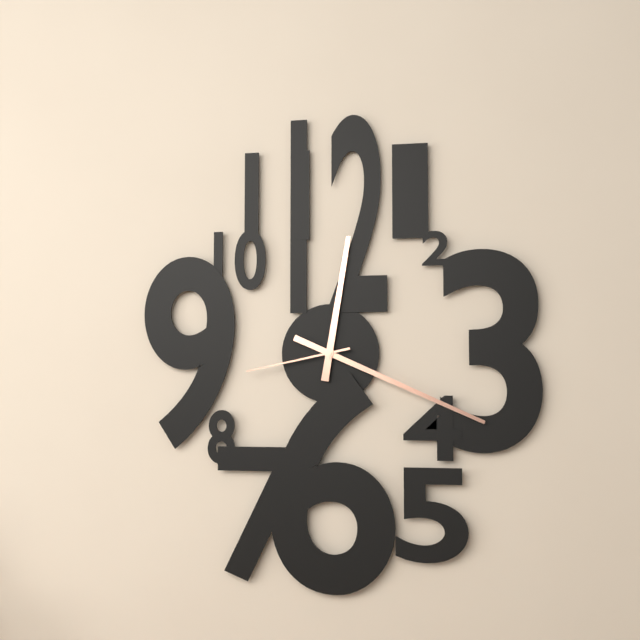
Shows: 12:19:43
